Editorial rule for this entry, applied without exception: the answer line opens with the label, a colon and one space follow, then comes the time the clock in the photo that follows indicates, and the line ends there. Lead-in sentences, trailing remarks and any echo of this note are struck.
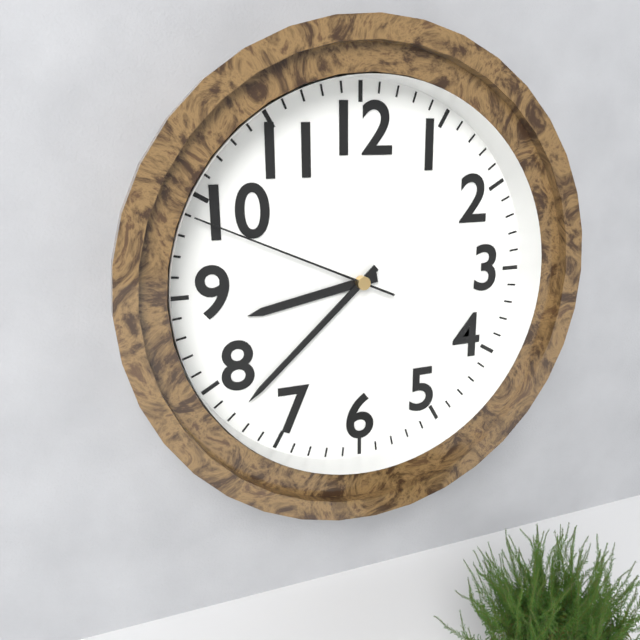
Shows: 8:38:49
